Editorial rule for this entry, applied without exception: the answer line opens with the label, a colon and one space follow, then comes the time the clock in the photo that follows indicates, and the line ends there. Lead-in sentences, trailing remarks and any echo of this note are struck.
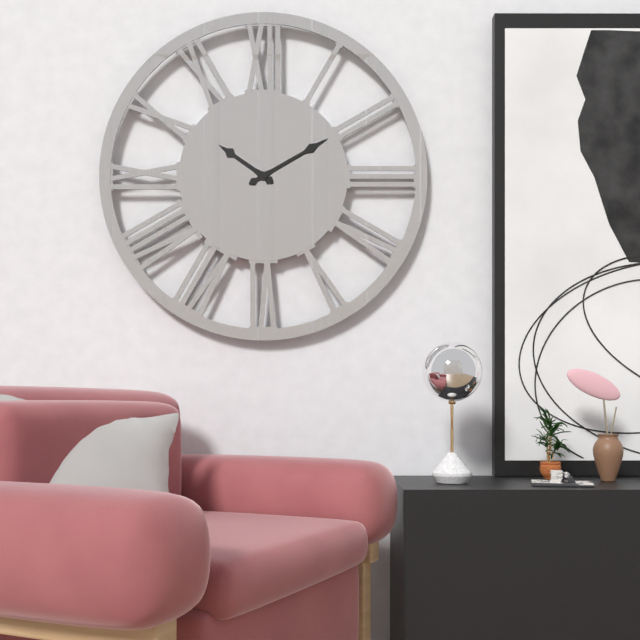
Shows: 10:10
